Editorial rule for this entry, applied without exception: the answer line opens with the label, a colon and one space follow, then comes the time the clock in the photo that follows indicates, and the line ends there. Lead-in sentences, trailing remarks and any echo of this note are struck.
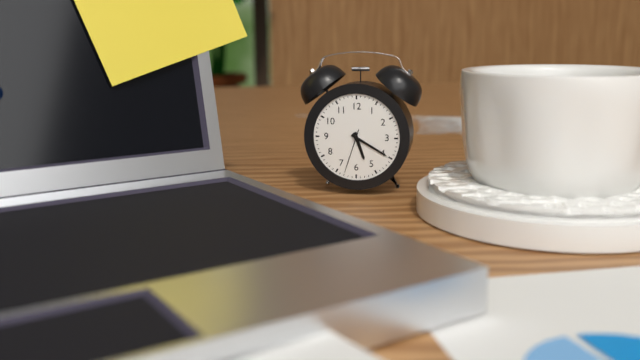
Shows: 5:20
